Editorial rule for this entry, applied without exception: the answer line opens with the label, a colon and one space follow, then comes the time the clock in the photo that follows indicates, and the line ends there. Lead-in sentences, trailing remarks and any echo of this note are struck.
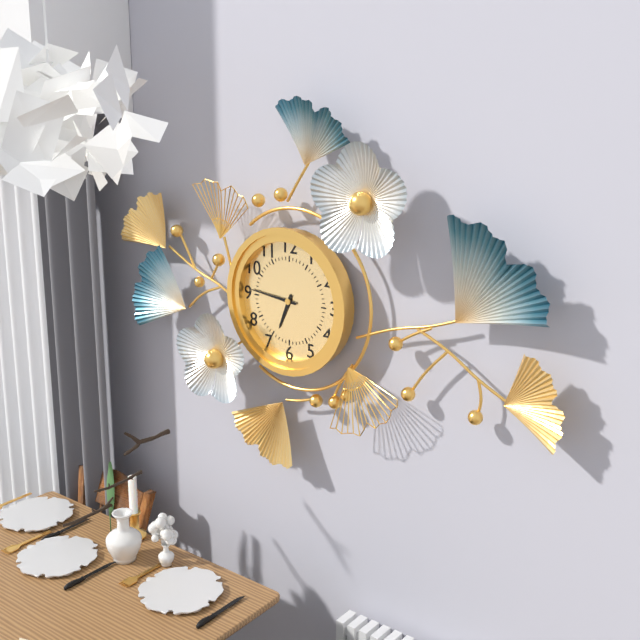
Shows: 6:46
